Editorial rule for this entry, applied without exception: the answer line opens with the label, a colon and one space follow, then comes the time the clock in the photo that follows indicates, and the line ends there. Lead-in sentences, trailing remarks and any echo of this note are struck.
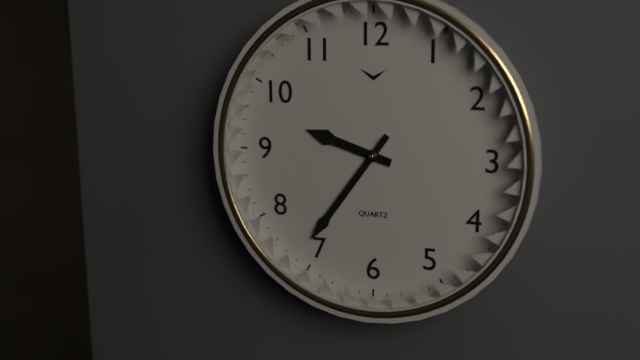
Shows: 9:36
